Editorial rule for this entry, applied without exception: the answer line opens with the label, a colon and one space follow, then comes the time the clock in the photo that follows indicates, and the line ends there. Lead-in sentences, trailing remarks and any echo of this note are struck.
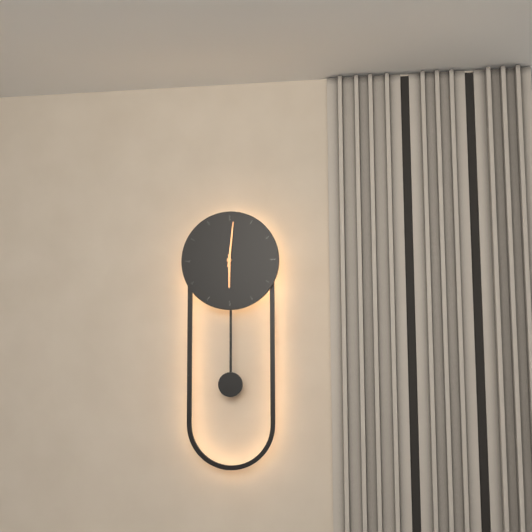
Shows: 6:01
